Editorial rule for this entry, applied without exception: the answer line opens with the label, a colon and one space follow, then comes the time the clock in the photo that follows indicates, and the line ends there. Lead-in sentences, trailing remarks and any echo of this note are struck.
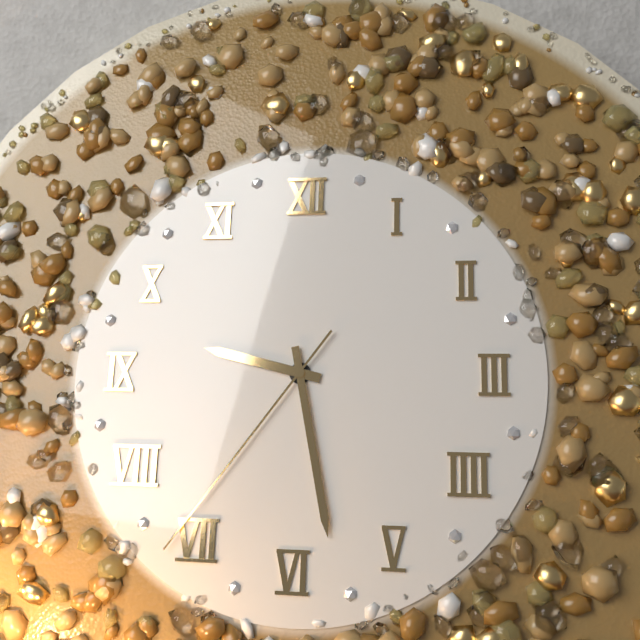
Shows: 9:28:36
